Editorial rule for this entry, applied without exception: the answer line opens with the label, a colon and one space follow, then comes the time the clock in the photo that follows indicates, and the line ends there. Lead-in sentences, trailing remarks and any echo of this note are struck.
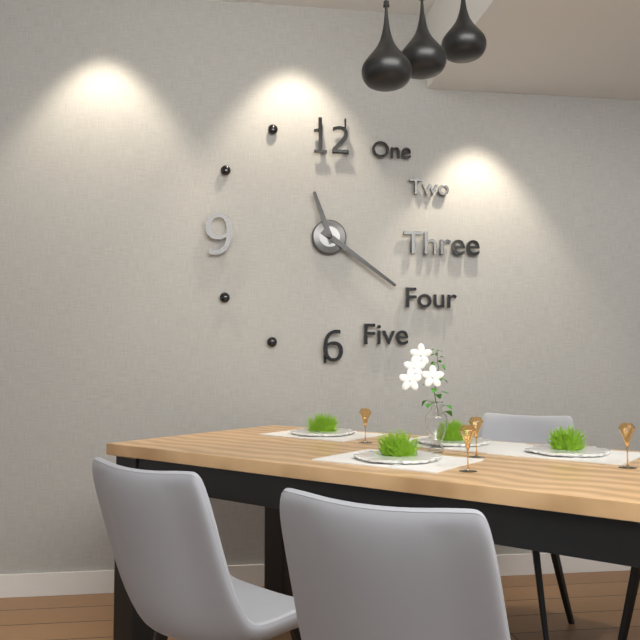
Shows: 11:21
